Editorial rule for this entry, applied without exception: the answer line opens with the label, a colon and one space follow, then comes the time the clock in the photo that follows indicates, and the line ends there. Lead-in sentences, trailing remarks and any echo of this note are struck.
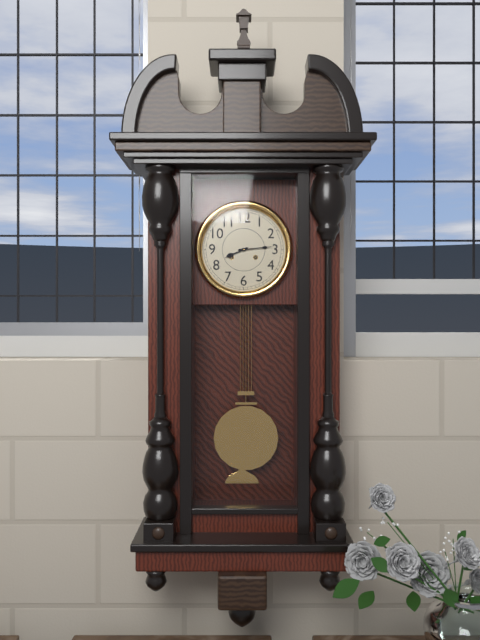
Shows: 8:14
